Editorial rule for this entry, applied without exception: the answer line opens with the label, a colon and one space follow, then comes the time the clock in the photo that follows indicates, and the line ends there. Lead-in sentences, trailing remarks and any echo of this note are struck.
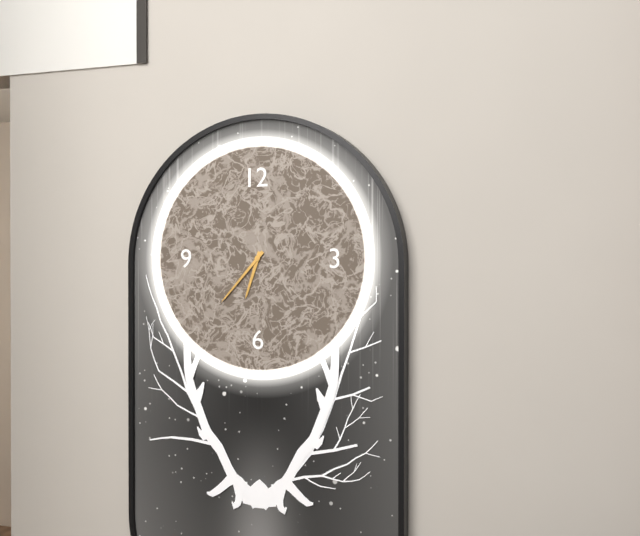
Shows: 6:37
